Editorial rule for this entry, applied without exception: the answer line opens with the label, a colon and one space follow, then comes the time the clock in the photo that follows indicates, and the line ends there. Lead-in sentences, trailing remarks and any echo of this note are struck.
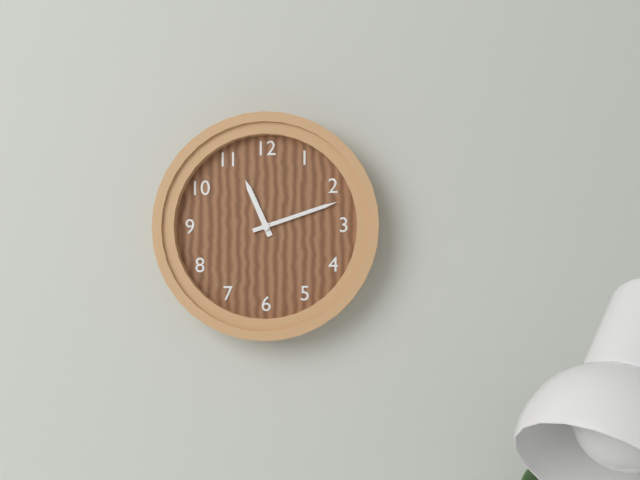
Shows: 11:12
